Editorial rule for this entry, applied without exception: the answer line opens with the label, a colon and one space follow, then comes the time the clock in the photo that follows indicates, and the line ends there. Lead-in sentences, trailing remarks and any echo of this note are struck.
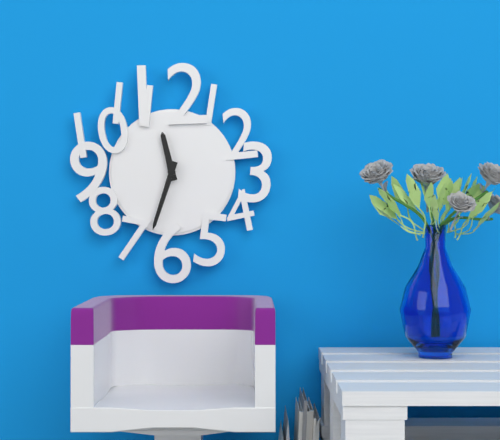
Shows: 11:33
